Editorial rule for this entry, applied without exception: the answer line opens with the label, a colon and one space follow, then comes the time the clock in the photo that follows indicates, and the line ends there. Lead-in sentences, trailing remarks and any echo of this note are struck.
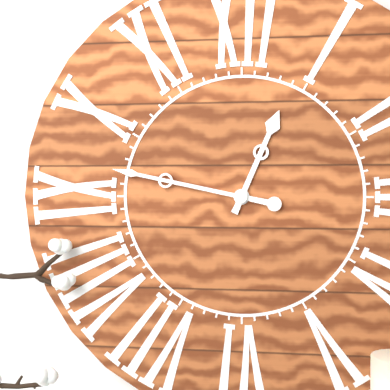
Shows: 12:47
